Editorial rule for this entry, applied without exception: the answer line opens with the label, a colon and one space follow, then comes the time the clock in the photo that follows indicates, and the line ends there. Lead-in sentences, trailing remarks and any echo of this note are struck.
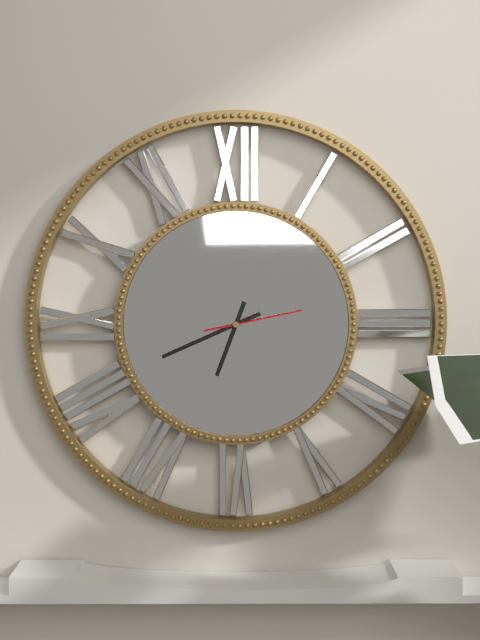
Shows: 6:41:13
